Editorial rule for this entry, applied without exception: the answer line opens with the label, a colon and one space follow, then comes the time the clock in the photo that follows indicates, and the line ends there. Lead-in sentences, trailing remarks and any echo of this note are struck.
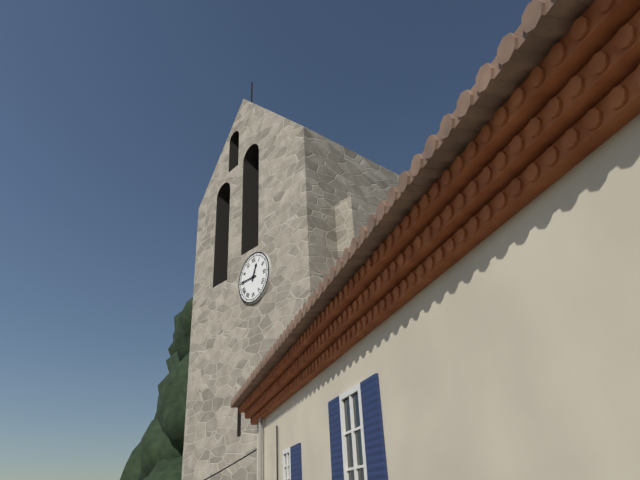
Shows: 12:45
